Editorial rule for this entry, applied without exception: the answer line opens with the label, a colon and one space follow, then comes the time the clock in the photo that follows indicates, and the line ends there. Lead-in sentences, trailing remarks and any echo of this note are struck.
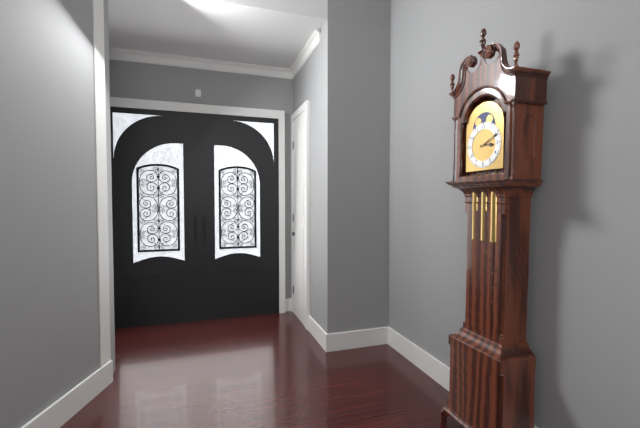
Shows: 3:11
